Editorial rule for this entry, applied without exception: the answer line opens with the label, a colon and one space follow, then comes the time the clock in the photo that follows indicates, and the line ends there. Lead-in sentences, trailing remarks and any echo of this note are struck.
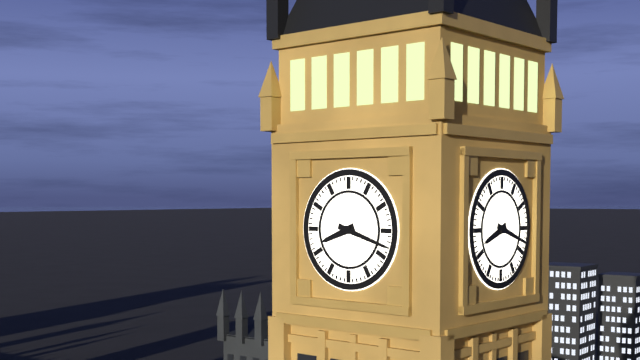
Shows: 8:18
